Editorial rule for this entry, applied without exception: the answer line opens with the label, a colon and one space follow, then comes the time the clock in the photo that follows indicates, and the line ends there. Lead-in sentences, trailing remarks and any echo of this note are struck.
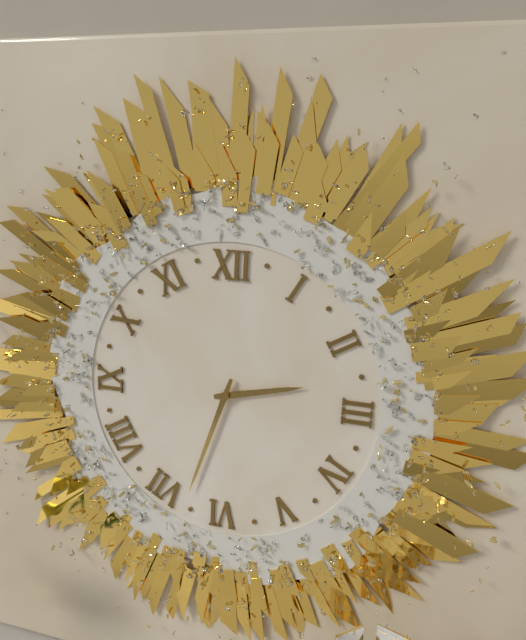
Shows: 2:33
